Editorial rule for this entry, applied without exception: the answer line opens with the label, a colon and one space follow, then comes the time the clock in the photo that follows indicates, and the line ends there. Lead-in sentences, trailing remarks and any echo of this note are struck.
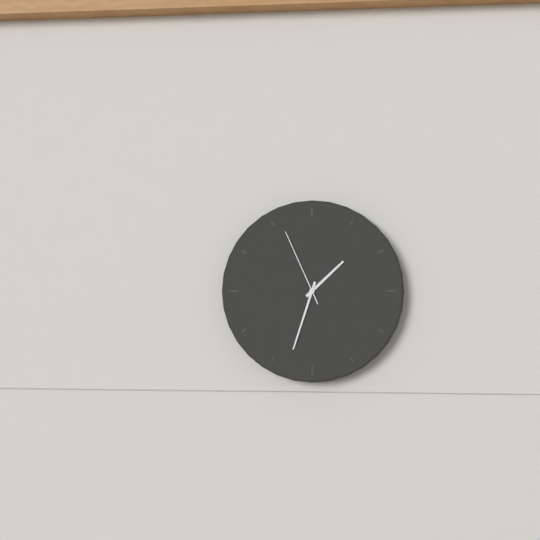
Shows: 1:33:56
